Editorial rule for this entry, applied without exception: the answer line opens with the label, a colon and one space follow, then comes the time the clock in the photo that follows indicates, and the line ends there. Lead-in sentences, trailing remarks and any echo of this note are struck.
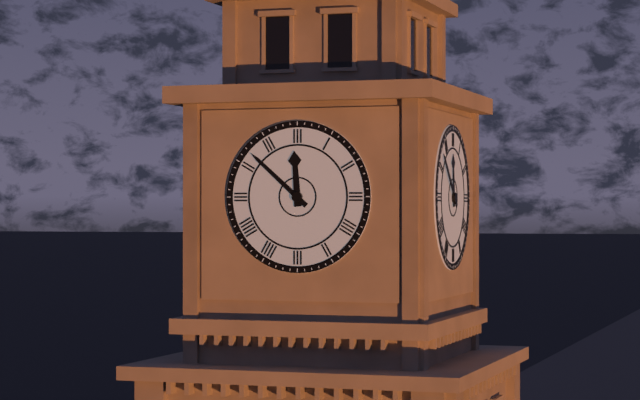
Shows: 11:52
